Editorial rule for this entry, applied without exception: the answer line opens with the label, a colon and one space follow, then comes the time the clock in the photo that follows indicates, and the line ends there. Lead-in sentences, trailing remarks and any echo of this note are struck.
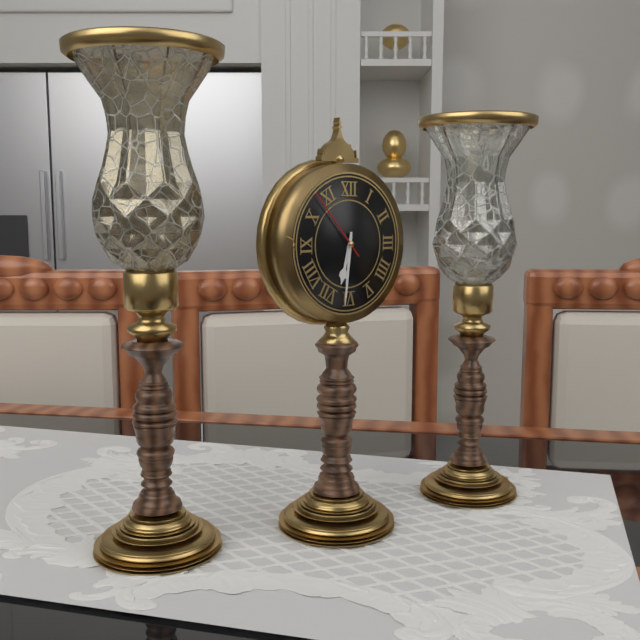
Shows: 6:31:53
